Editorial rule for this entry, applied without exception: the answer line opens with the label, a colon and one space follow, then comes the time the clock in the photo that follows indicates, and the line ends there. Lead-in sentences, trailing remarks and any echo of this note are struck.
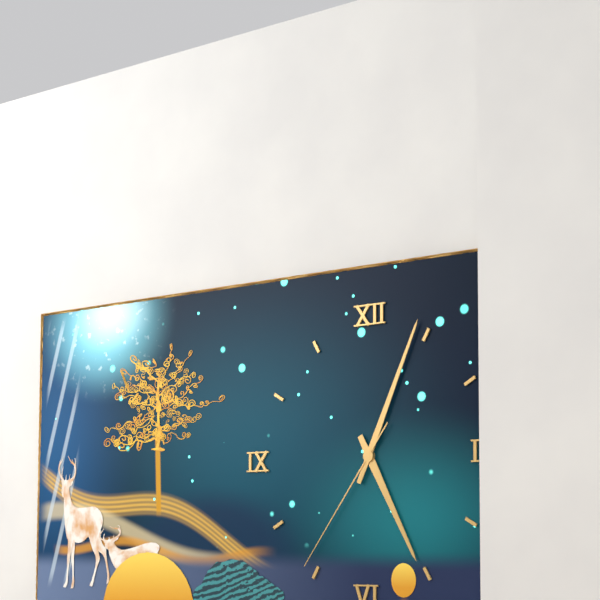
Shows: 5:04:36
